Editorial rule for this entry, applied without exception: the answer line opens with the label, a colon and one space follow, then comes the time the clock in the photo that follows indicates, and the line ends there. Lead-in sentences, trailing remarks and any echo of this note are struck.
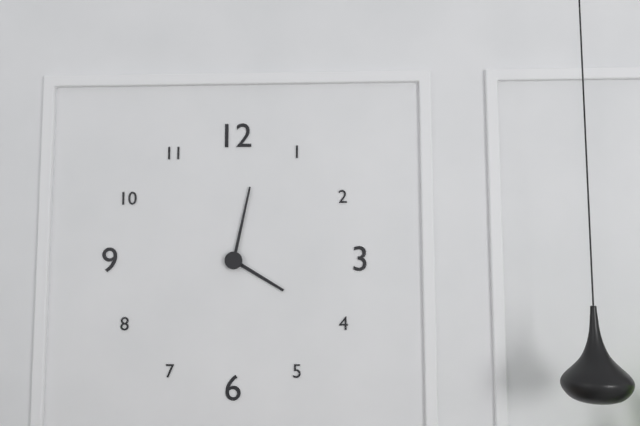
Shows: 4:02
